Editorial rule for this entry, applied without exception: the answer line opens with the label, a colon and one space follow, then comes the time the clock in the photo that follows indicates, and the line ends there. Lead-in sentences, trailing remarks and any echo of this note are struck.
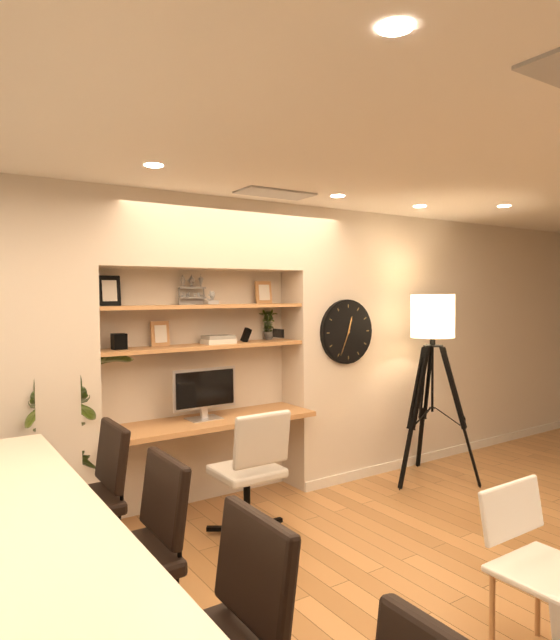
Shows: 12:34
